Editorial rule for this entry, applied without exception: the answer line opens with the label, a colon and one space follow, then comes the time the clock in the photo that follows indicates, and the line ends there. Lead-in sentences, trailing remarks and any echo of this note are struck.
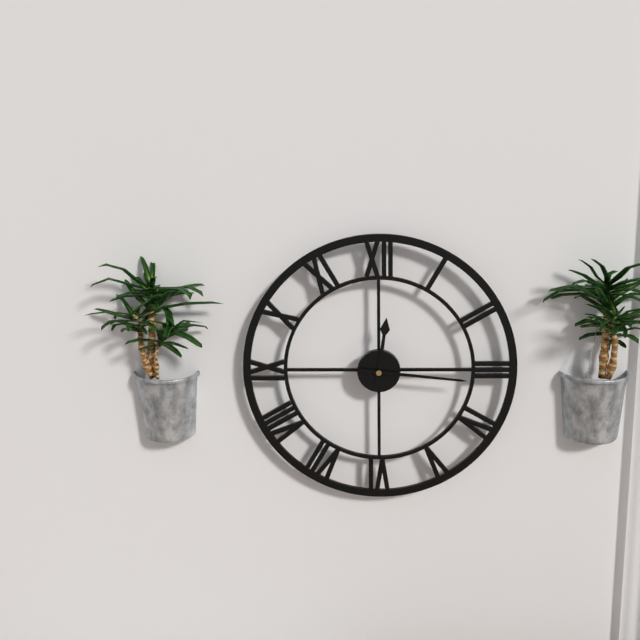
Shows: 12:16
